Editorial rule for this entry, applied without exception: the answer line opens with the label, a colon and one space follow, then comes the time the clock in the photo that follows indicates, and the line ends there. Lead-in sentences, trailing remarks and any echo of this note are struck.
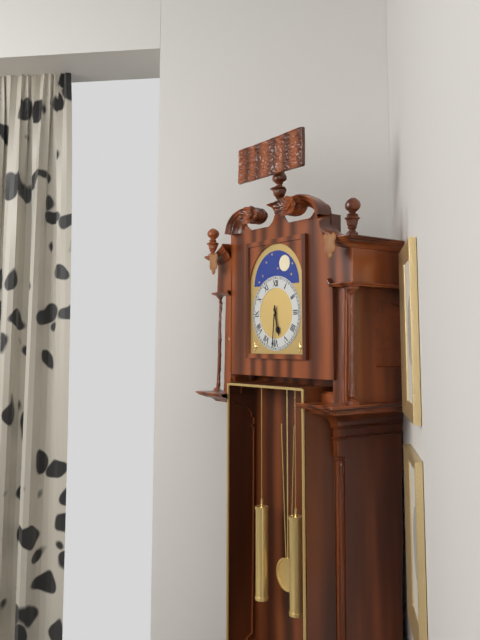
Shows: 5:31
